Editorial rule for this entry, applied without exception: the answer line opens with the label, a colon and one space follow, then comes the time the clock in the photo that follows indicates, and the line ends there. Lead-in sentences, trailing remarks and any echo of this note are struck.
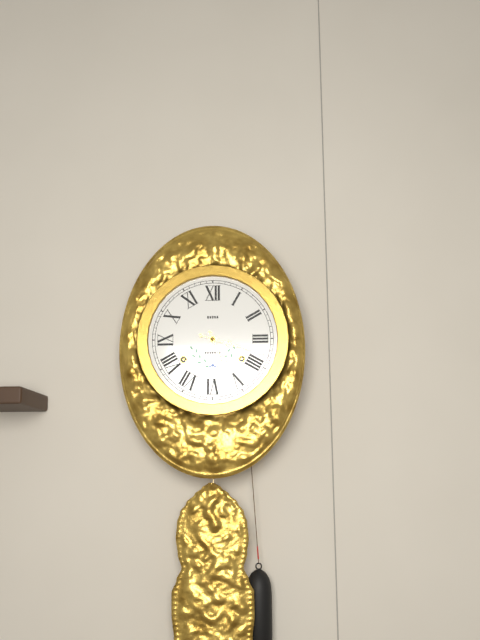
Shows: 5:18
